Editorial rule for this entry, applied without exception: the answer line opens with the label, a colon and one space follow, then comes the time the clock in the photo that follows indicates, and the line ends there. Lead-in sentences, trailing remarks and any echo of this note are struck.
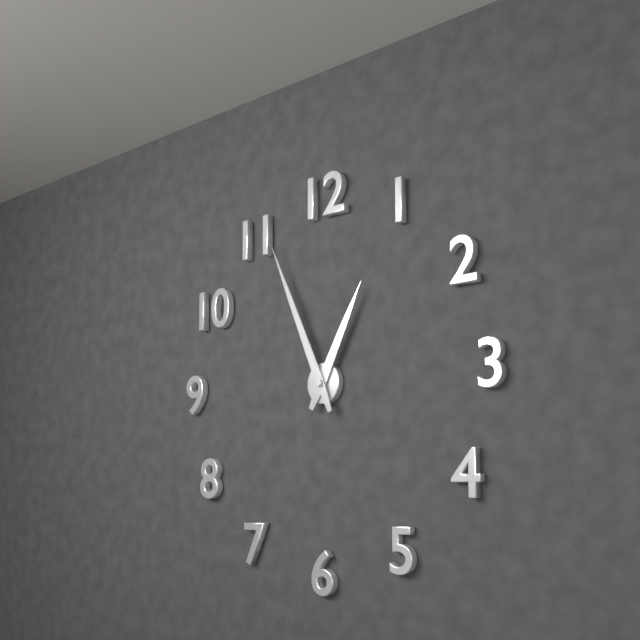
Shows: 12:56
